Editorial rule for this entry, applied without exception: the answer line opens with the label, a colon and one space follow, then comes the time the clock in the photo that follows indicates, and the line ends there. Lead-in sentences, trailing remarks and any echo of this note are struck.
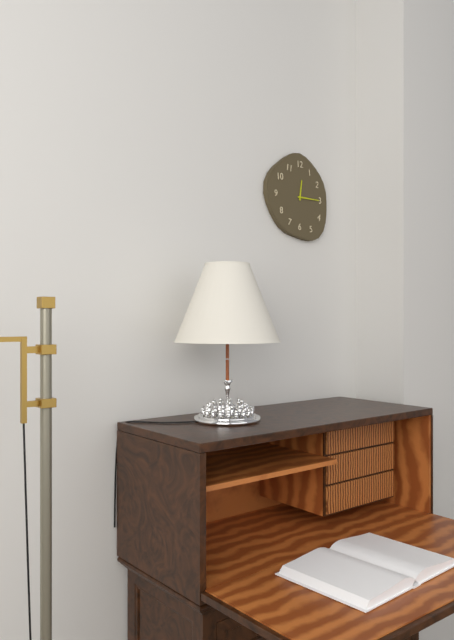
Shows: 12:15
